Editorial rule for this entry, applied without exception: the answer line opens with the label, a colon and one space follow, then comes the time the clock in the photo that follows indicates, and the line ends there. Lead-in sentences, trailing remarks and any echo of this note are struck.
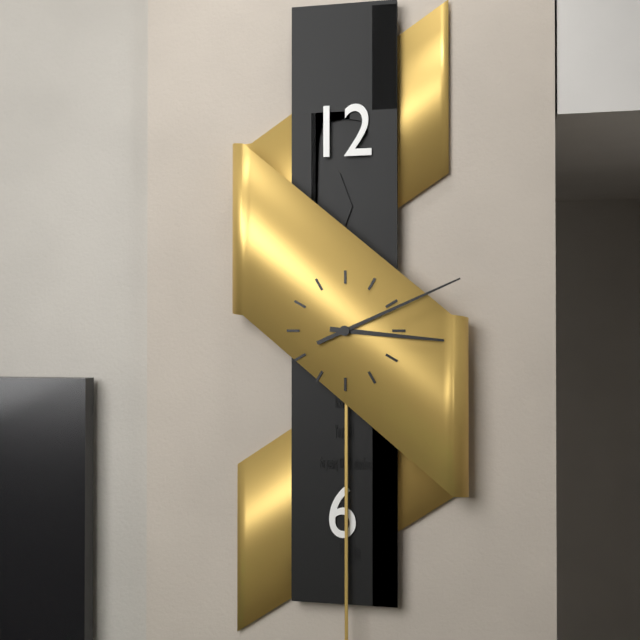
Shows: 3:11
